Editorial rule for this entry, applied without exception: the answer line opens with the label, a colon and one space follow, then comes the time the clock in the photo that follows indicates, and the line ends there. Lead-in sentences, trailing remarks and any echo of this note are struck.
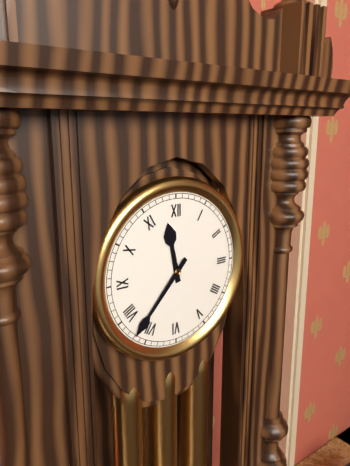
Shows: 11:37
